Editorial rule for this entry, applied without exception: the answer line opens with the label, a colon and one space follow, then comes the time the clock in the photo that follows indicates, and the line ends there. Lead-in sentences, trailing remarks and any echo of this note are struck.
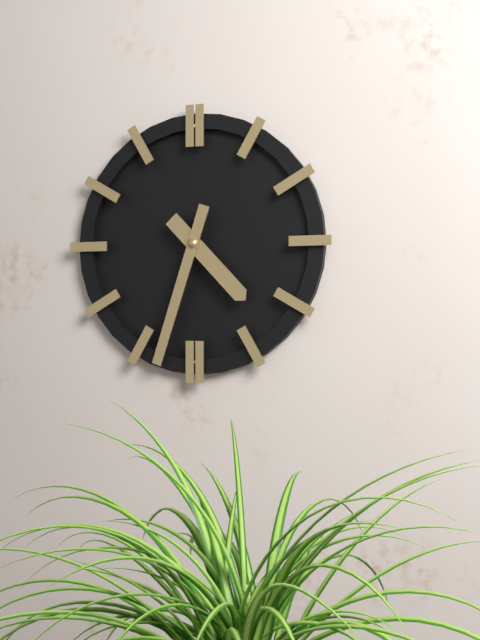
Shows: 4:33
